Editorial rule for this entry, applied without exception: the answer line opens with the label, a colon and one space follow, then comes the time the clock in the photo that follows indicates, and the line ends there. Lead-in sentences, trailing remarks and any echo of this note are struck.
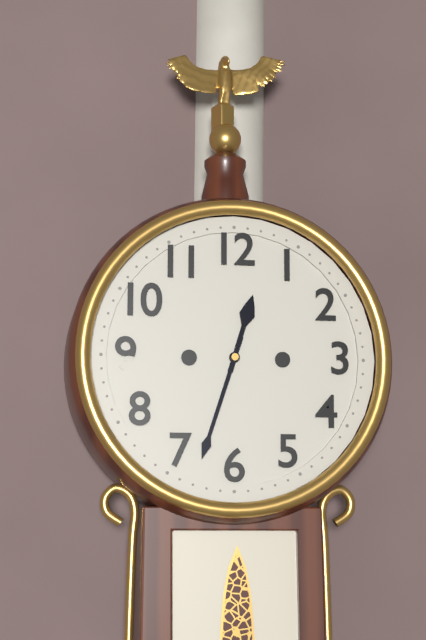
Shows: 12:33
